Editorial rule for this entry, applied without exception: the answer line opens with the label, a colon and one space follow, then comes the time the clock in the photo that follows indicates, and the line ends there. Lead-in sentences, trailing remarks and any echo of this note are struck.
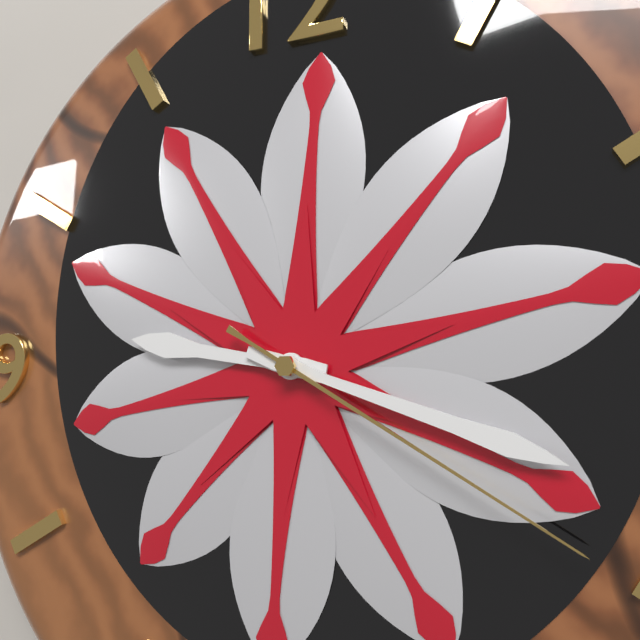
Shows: 9:18:20
